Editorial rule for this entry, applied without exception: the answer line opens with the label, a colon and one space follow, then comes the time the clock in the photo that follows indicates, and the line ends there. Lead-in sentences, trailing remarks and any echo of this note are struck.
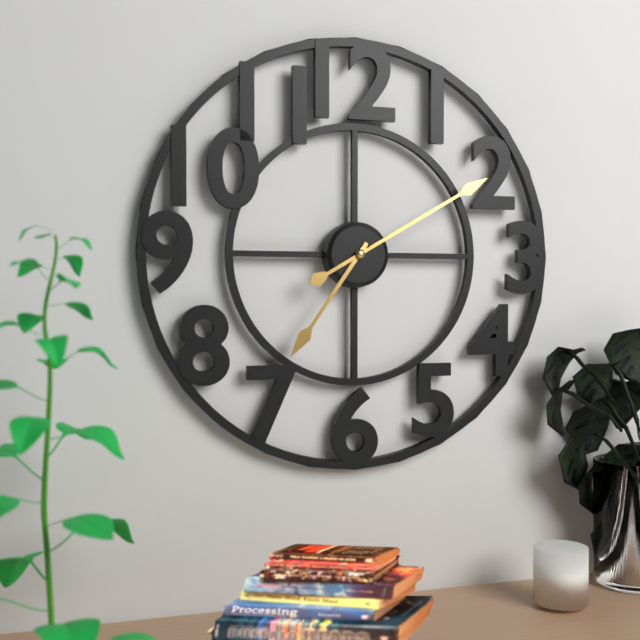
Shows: 7:10
